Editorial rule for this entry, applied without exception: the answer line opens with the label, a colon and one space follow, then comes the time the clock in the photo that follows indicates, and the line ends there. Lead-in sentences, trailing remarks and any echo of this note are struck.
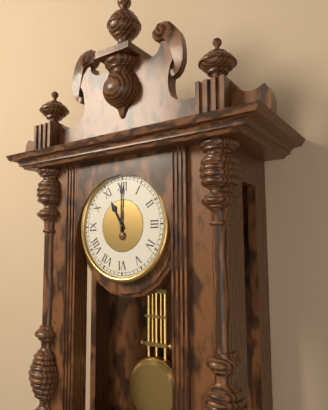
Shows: 11:00
